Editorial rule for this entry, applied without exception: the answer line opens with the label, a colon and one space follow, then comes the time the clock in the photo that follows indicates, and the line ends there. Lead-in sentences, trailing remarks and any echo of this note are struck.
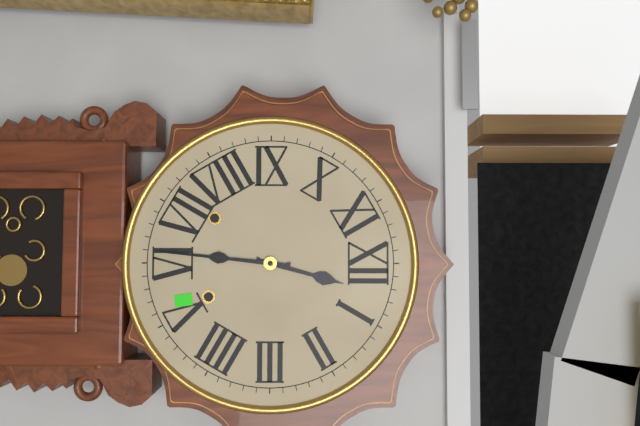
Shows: 12:31
